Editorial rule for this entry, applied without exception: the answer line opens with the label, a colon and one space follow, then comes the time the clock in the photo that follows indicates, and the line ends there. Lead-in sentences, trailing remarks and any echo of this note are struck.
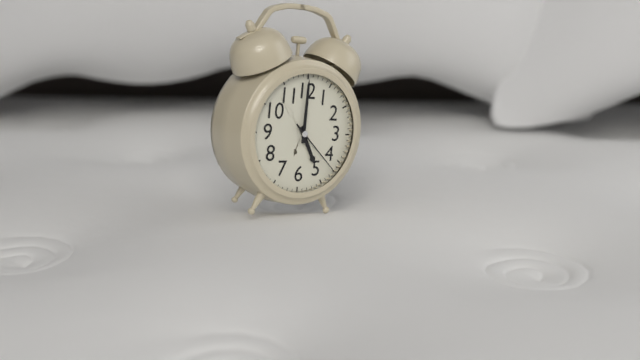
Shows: 5:00:22
